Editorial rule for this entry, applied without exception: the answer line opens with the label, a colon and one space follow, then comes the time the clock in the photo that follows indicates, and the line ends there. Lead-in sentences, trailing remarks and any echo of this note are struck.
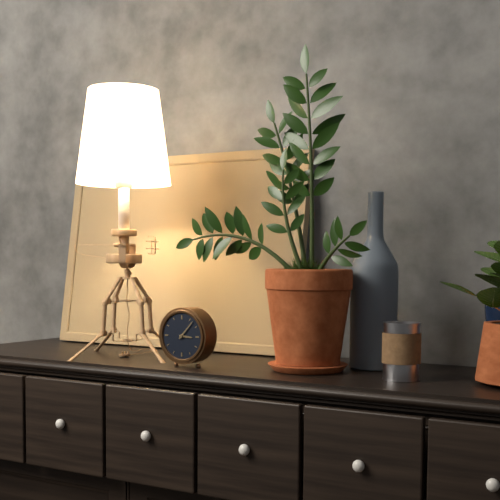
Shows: 3:07
